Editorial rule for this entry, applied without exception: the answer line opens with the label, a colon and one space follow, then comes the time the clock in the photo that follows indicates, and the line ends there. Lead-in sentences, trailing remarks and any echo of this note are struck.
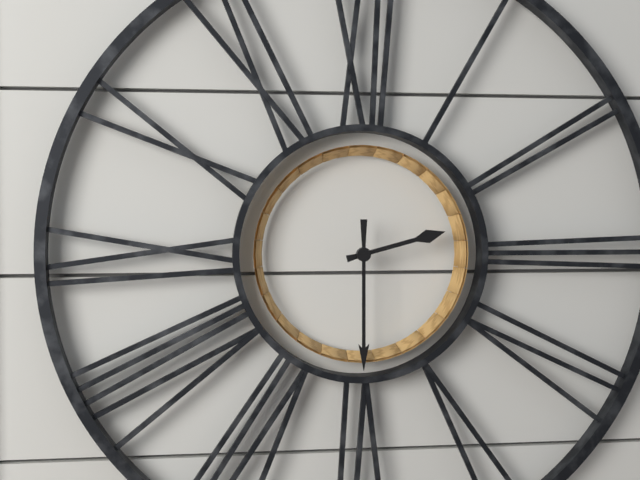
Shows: 2:30
